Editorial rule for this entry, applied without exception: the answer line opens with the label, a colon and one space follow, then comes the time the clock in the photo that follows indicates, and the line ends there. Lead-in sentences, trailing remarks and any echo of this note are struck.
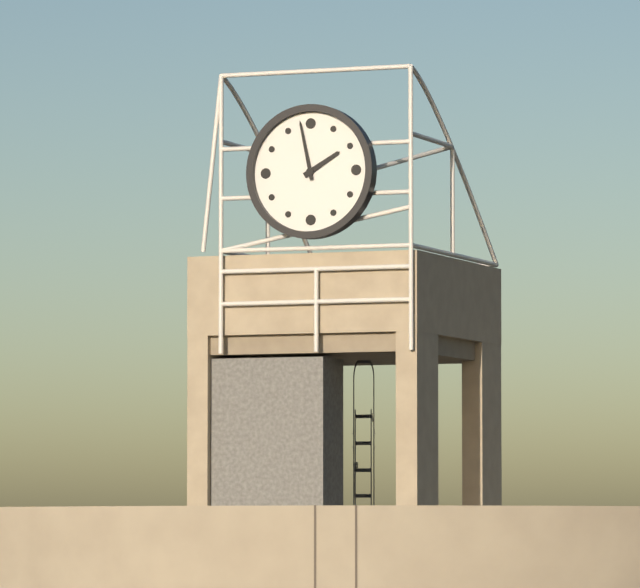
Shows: 1:58
